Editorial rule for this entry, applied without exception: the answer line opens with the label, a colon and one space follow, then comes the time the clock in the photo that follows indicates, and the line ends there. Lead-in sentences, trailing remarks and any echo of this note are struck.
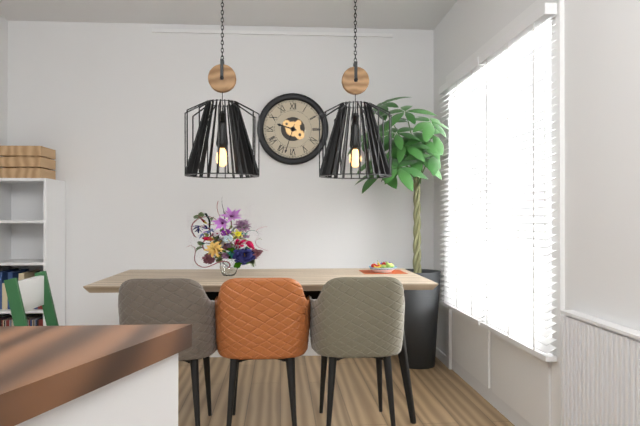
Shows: 9:33
